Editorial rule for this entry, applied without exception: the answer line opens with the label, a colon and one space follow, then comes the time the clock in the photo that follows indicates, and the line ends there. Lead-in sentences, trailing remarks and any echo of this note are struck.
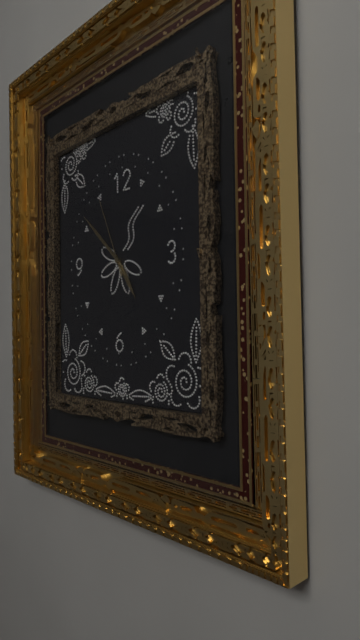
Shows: 4:52:56
